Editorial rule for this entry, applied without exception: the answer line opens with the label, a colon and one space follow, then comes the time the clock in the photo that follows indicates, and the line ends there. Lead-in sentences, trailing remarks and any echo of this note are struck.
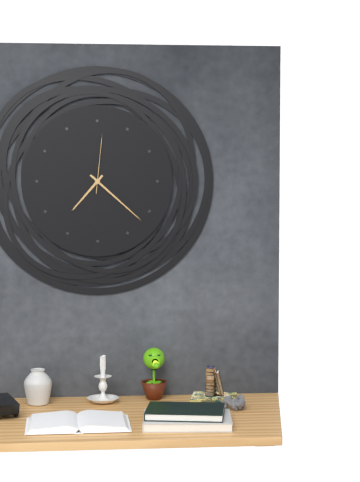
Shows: 7:22:01
